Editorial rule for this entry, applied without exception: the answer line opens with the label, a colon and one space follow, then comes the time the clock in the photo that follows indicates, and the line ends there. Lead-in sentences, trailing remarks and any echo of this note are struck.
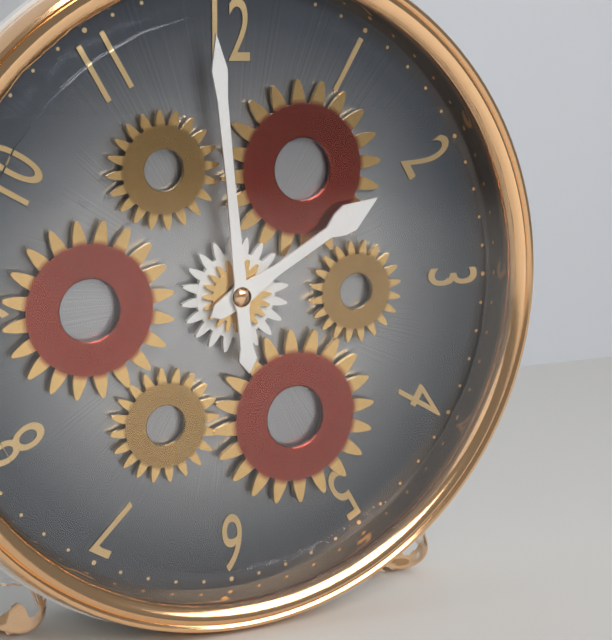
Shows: 1:59
